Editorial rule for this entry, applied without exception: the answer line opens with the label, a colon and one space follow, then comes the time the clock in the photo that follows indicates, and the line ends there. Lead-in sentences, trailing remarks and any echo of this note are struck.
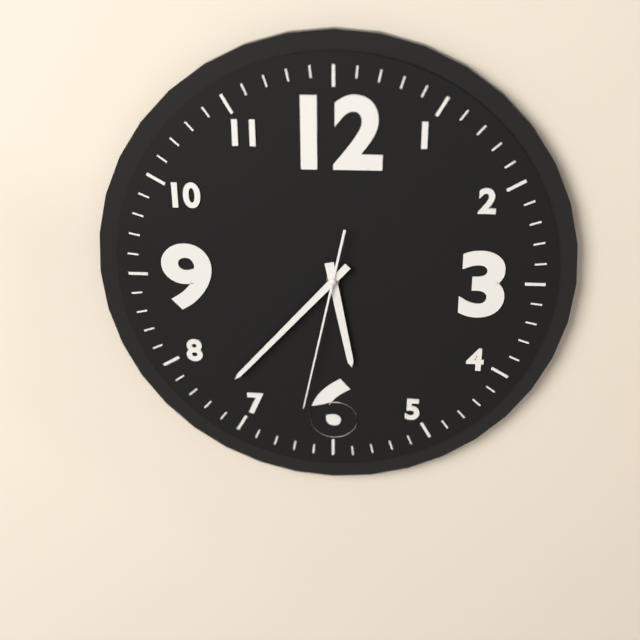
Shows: 5:37:32
